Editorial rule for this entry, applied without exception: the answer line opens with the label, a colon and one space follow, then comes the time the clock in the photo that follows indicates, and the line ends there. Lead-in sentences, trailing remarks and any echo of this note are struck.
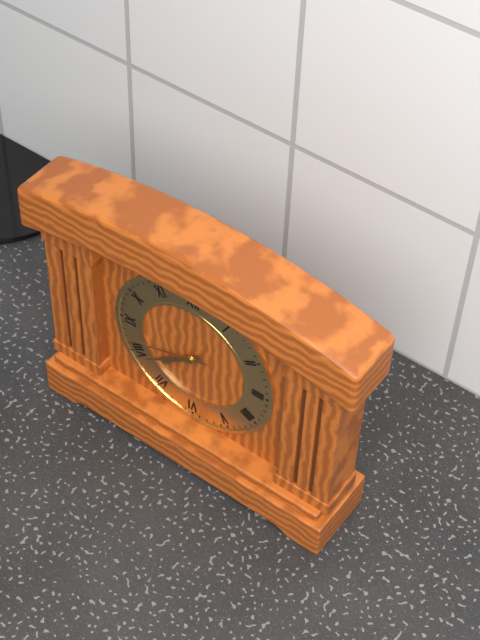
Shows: 7:39:42
